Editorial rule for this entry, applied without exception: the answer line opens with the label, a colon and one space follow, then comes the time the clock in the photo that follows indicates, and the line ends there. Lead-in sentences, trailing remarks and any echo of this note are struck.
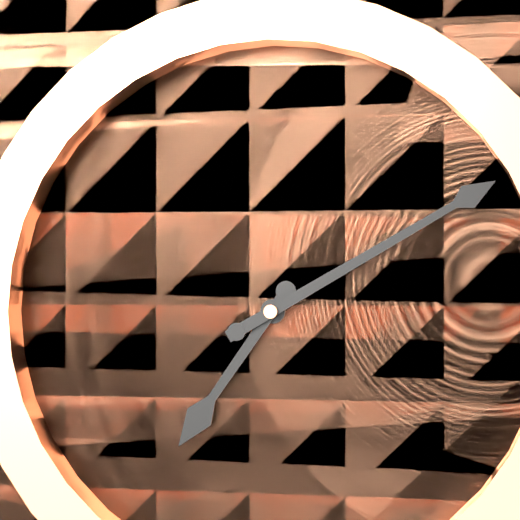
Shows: 7:10
